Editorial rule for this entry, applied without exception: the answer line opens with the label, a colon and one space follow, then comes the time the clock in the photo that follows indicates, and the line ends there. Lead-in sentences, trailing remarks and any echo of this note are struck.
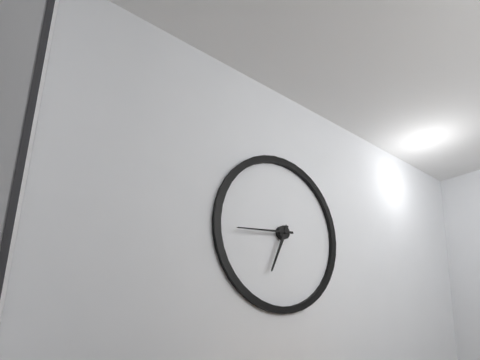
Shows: 6:44
